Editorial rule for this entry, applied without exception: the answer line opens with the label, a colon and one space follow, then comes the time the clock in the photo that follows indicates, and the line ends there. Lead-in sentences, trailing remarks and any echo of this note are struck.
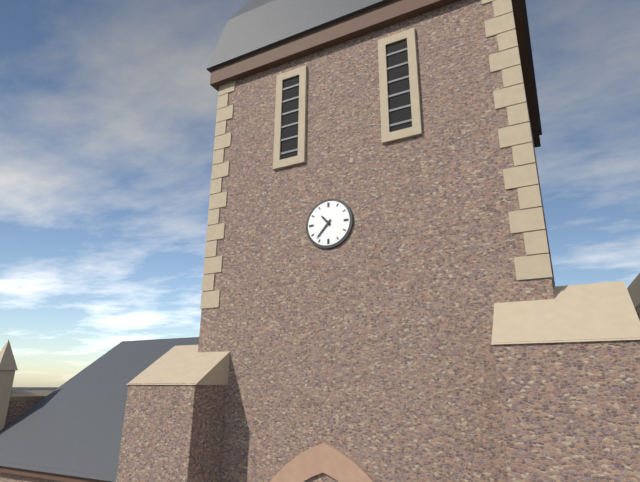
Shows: 10:37
